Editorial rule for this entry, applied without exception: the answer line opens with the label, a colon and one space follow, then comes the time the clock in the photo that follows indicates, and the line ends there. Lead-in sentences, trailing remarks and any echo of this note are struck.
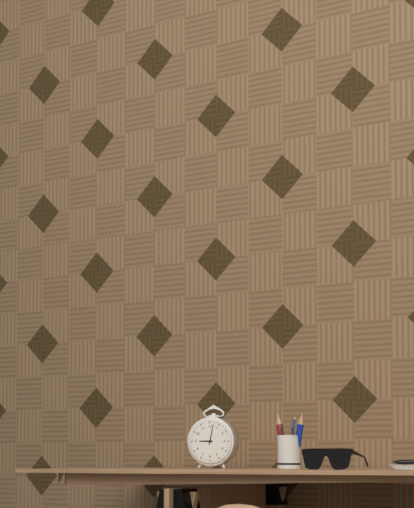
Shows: 9:02
